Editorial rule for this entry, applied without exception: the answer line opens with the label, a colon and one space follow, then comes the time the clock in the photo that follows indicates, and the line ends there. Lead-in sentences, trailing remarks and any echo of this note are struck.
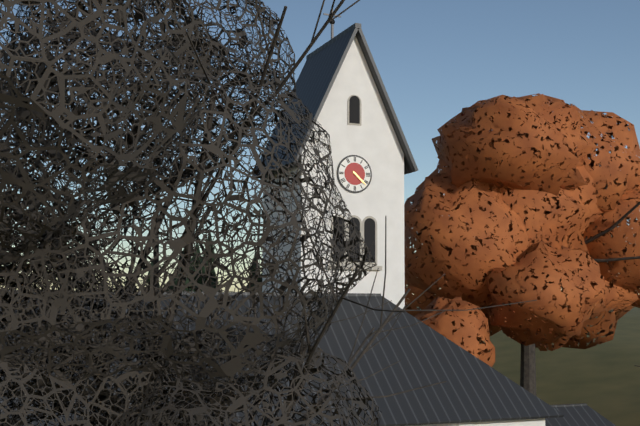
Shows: 4:22
